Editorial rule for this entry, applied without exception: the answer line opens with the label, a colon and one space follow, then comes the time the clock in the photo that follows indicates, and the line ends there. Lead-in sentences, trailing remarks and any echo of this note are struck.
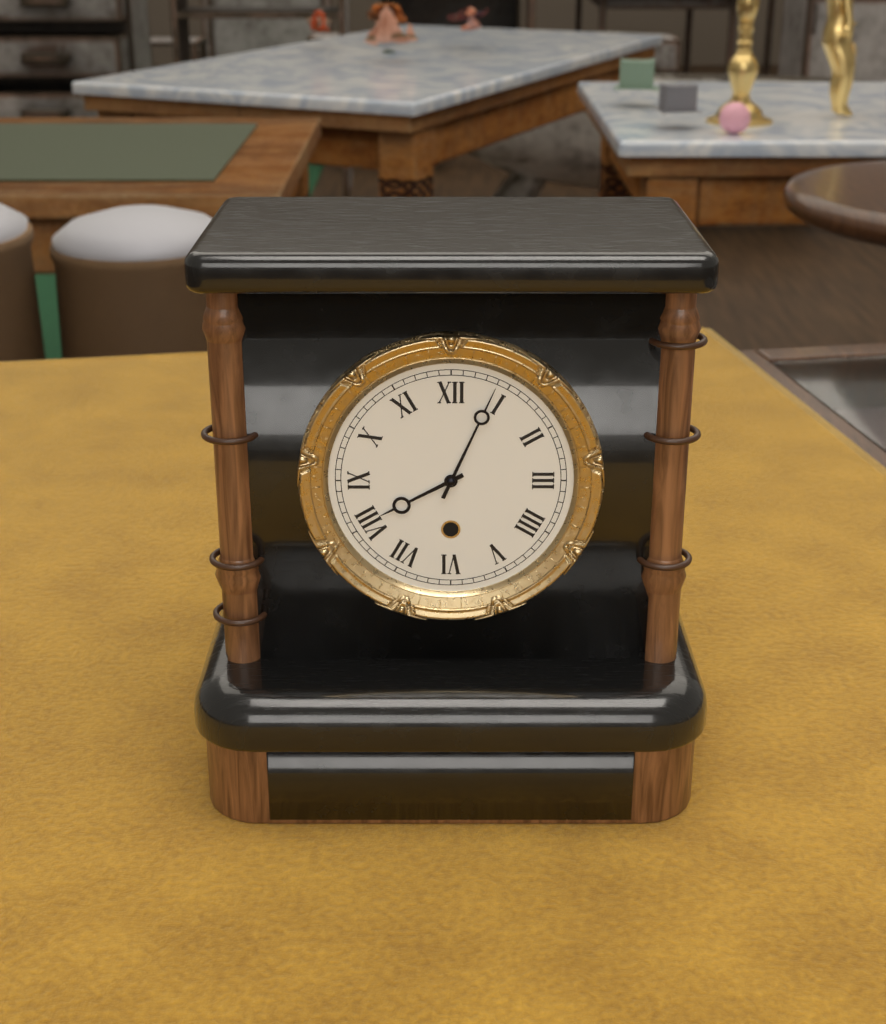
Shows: 8:04
